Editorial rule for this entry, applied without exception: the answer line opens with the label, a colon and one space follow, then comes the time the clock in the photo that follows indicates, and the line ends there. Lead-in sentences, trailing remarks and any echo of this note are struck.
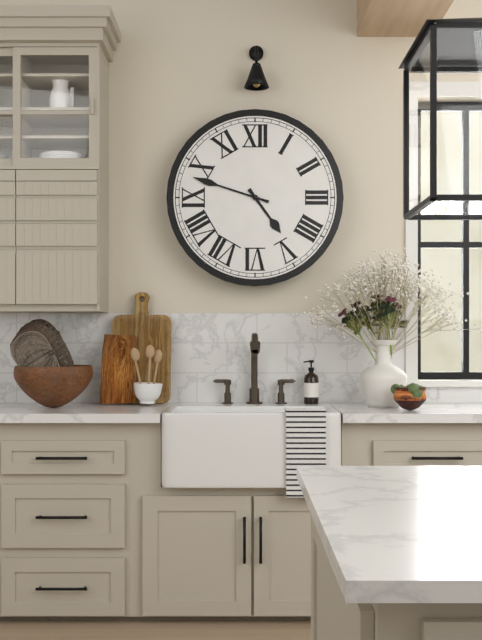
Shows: 4:48
